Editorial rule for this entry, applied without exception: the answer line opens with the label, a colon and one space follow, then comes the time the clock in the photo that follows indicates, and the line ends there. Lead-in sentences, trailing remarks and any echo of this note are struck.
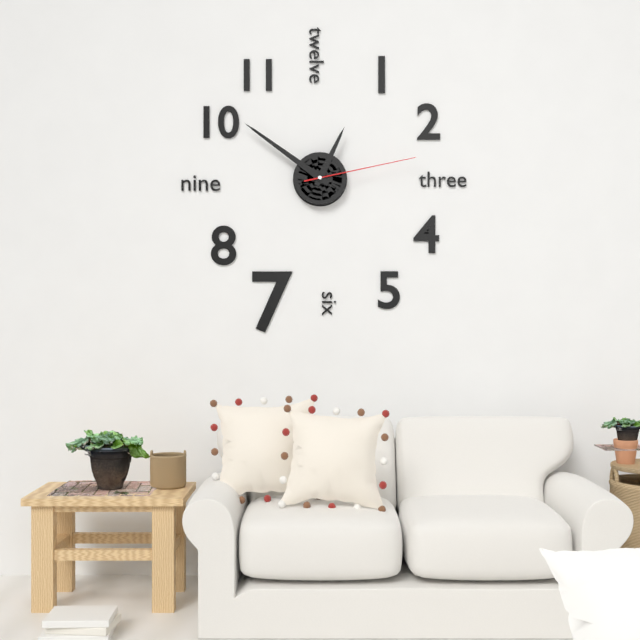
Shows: 12:51:13
